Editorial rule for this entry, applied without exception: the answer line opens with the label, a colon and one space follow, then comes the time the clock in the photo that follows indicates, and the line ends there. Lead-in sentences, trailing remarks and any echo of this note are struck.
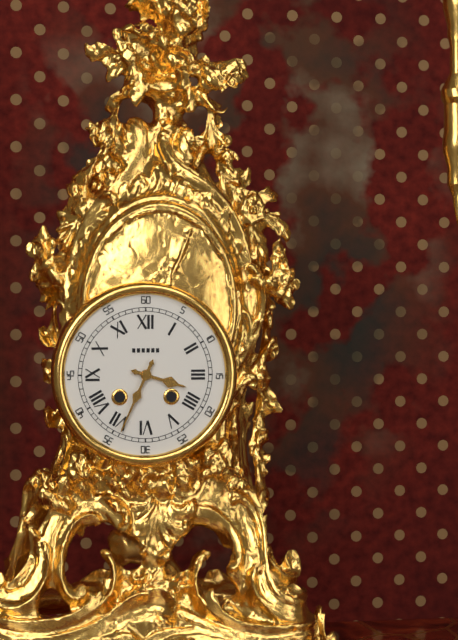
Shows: 3:34
